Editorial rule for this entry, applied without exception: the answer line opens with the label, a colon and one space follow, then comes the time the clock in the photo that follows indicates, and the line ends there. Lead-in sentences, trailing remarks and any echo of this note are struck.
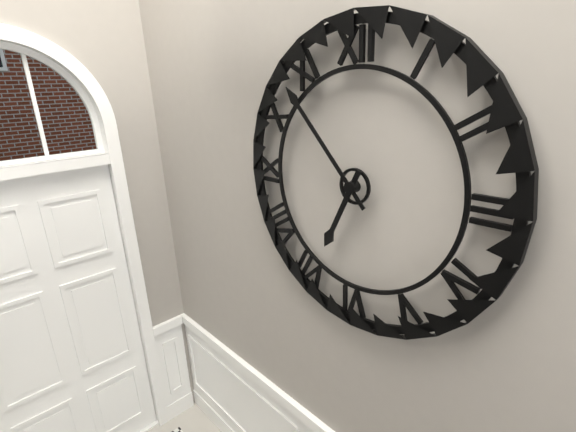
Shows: 6:53
